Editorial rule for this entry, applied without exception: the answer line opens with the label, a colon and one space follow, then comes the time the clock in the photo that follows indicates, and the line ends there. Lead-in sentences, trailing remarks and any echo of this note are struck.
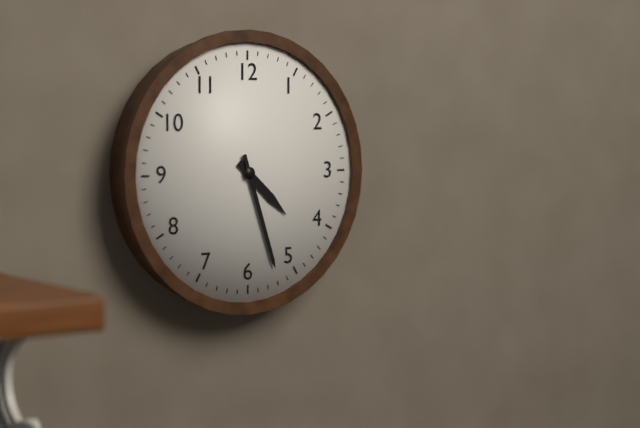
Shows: 4:27
